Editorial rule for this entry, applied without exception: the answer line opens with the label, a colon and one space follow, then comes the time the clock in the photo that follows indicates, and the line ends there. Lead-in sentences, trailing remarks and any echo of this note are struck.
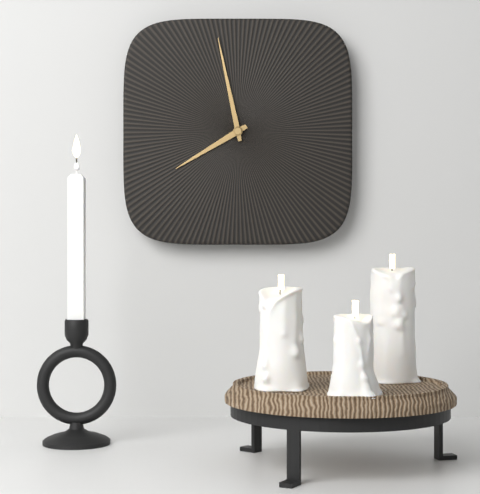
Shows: 7:58
